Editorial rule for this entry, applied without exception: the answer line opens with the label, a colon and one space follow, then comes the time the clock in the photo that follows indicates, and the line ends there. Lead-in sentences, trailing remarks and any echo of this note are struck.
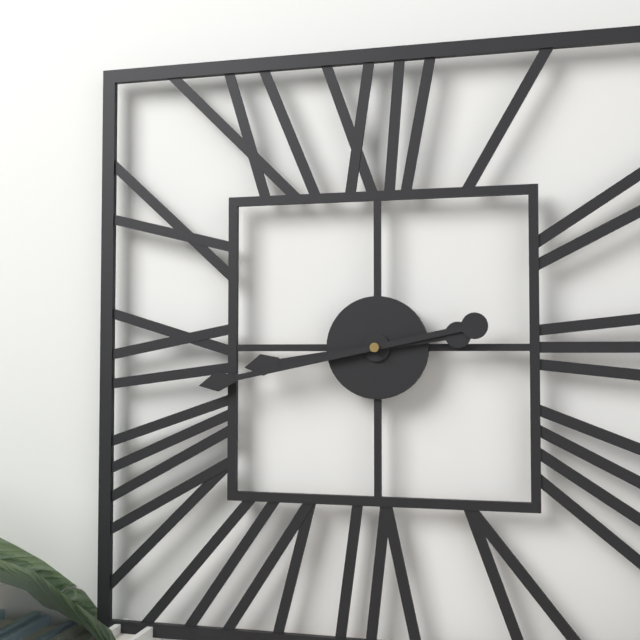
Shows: 8:43
